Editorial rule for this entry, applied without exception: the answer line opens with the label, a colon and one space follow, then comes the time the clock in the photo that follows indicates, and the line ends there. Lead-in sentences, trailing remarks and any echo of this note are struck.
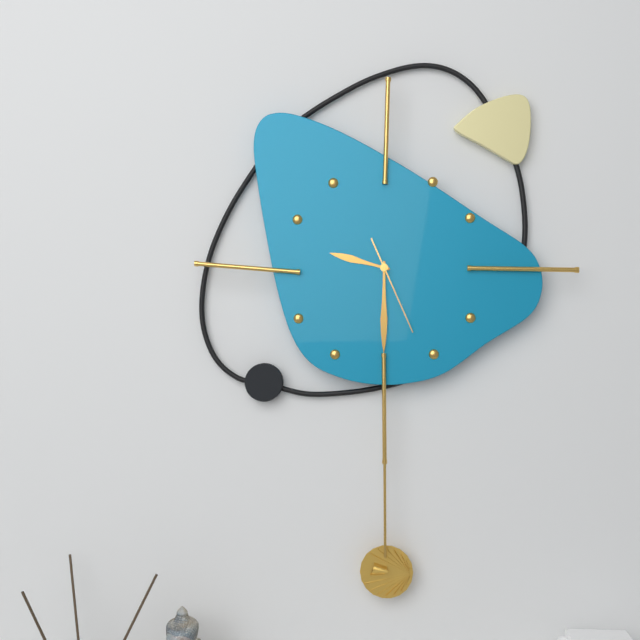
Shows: 9:30:26
